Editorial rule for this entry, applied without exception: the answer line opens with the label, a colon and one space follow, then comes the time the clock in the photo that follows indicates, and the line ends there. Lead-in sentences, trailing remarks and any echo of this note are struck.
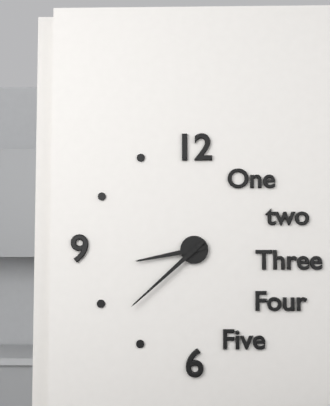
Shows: 8:38
